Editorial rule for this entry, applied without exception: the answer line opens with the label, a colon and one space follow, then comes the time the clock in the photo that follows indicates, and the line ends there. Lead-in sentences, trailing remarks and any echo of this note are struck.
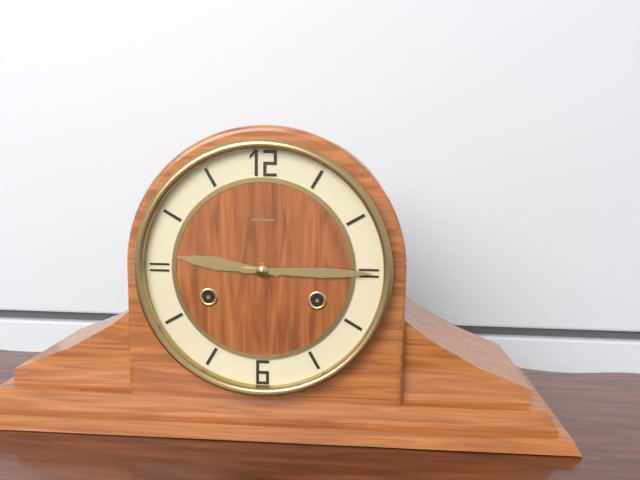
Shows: 9:15
